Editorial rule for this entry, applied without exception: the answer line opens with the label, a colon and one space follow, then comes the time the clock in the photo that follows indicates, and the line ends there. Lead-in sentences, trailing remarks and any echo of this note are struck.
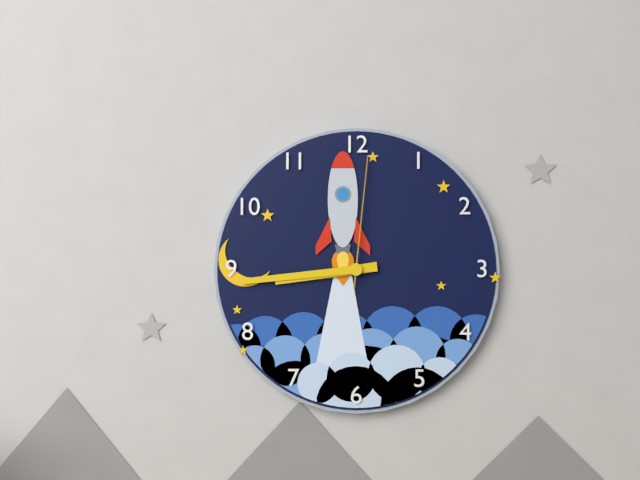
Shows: 8:44:01
